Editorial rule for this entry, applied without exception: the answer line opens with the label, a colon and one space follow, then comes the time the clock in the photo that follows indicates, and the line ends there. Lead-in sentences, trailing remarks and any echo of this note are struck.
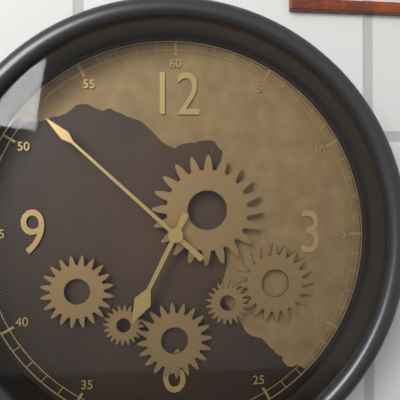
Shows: 6:52
